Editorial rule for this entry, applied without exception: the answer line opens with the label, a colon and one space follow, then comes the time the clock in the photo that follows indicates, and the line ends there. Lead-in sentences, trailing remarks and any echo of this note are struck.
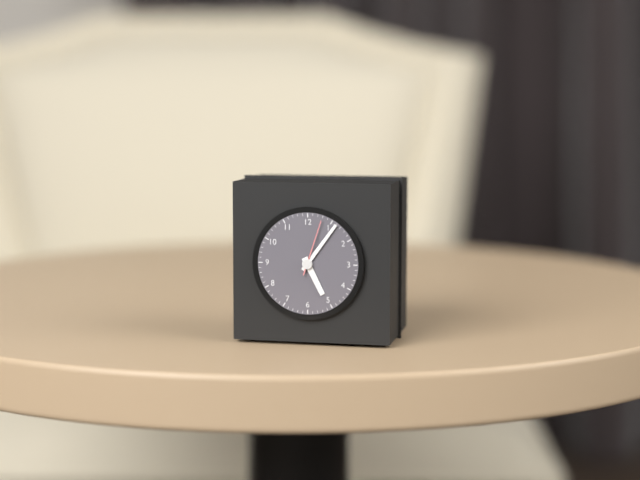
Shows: 5:06:03
